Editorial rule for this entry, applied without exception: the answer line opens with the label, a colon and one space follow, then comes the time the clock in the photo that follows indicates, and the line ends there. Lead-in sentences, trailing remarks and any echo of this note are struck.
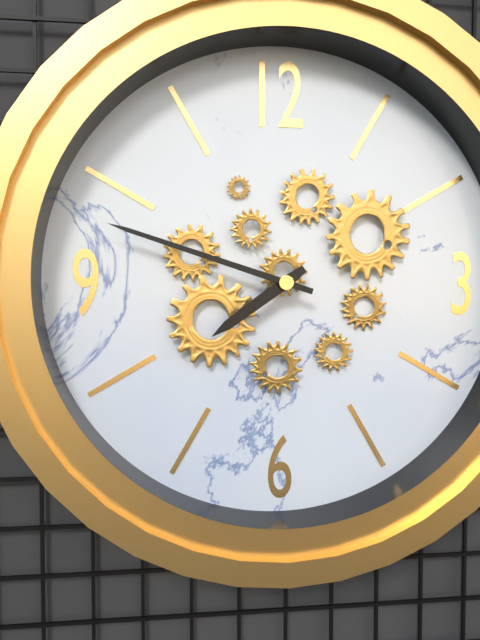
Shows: 7:48
